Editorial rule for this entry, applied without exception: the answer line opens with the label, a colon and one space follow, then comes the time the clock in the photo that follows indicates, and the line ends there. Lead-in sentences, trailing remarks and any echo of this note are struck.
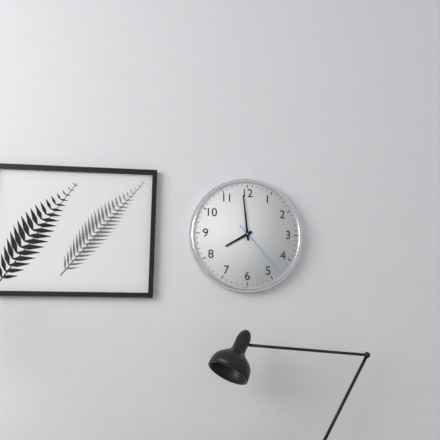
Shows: 7:59:23
